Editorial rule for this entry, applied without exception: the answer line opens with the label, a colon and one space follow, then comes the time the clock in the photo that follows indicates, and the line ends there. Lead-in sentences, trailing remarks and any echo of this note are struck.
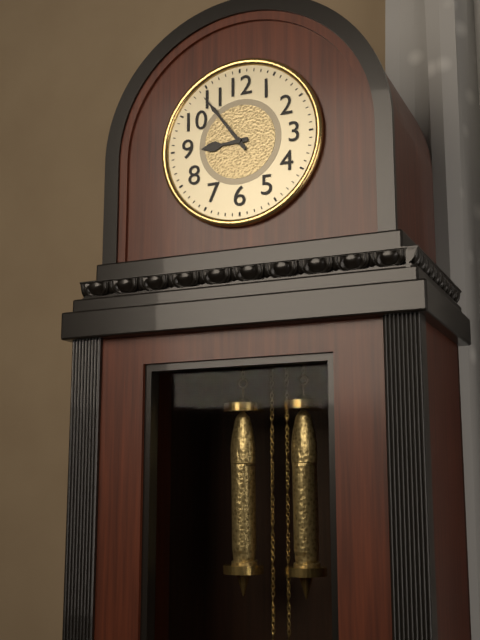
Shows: 8:54
